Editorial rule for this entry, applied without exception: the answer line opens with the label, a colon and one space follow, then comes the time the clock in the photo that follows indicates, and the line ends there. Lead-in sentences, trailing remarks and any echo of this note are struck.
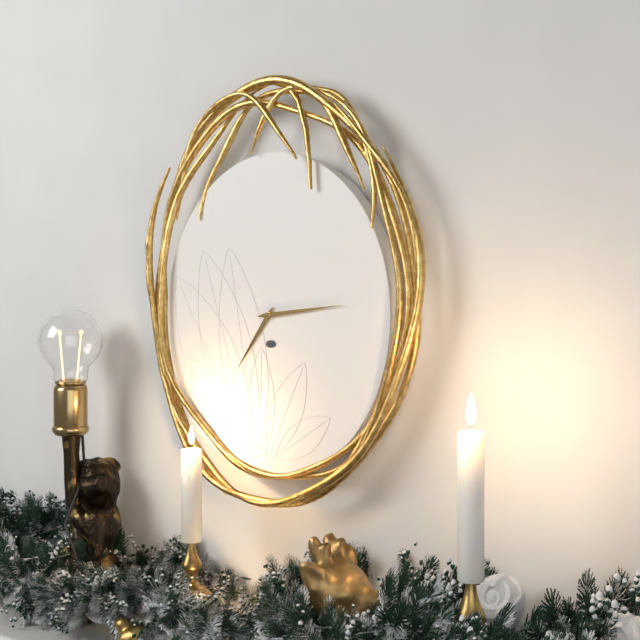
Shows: 7:14
